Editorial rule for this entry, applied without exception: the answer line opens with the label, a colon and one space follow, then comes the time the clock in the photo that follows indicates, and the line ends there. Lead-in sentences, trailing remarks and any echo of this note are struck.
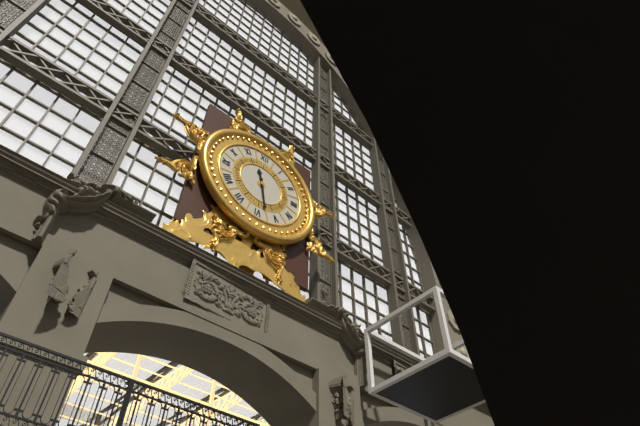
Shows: 11:28
